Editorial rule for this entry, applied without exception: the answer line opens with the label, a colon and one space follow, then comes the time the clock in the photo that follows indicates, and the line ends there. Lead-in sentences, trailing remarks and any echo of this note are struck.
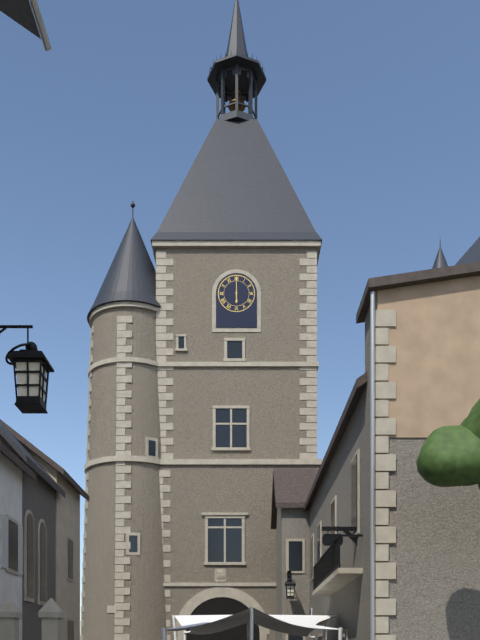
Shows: 6:00
